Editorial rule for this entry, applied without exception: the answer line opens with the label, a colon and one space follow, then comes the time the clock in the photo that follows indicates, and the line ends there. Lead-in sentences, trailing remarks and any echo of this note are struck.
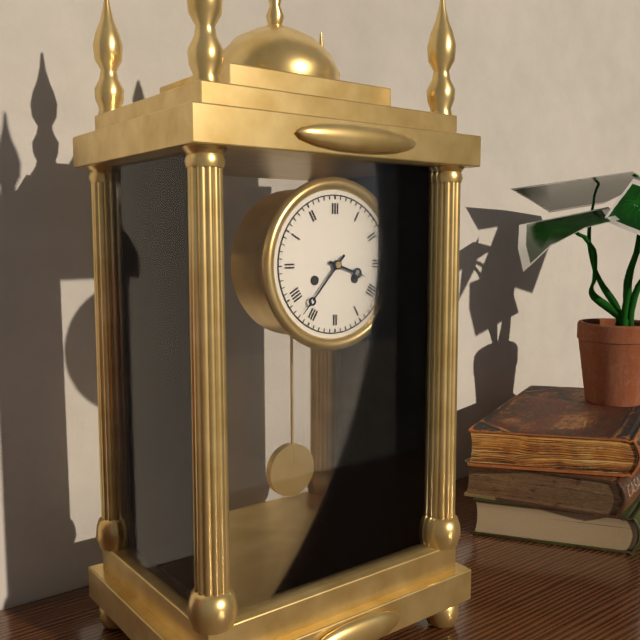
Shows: 3:37
